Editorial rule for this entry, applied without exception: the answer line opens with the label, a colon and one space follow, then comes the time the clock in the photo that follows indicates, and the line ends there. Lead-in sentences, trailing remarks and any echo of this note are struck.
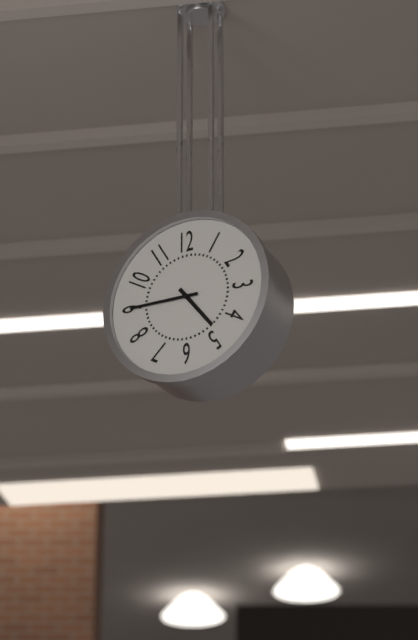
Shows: 4:45
